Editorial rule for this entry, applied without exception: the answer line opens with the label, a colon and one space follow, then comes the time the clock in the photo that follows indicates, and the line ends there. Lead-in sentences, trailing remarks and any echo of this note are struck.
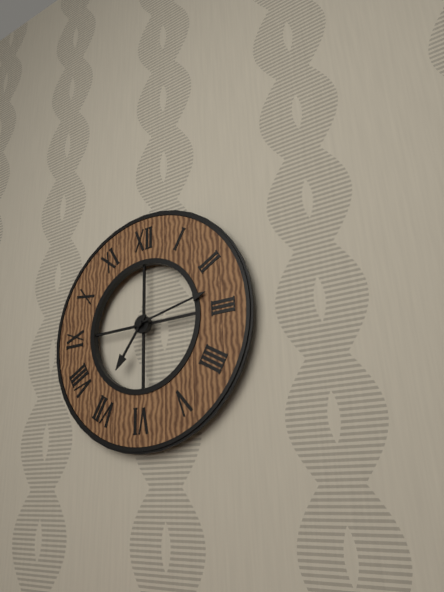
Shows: 7:13
